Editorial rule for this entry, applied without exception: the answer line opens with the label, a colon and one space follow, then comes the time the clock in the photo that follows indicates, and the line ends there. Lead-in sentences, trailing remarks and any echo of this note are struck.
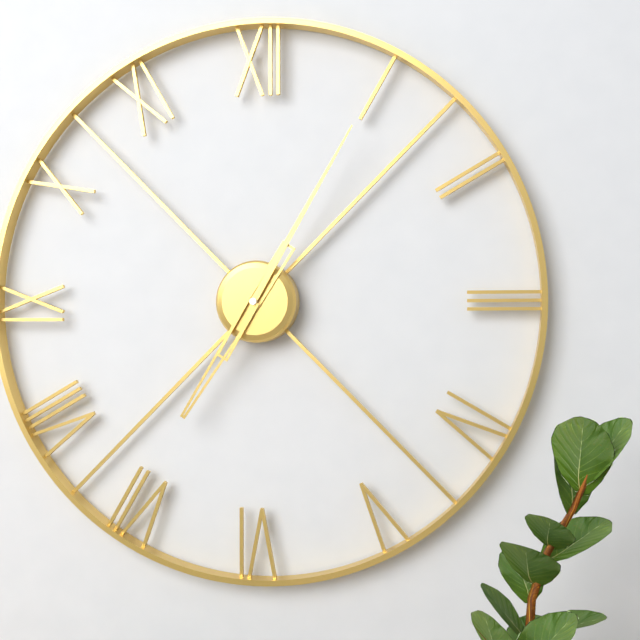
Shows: 7:05
